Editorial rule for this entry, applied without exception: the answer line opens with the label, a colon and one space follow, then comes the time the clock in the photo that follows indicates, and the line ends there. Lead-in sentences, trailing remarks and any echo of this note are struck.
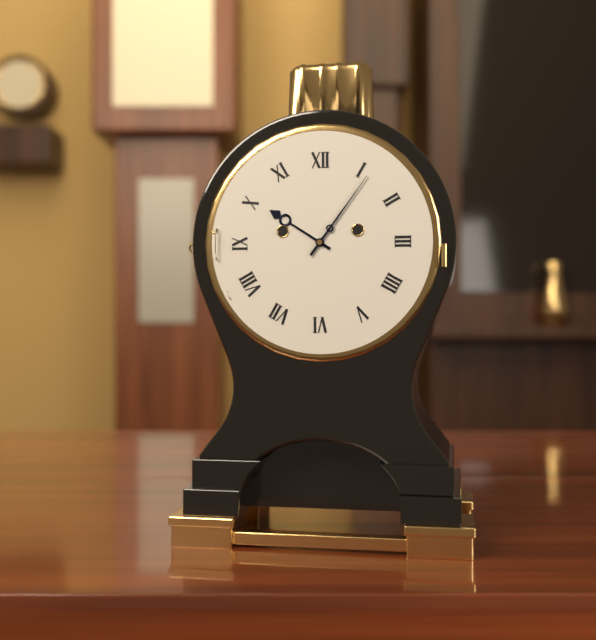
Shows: 10:06
